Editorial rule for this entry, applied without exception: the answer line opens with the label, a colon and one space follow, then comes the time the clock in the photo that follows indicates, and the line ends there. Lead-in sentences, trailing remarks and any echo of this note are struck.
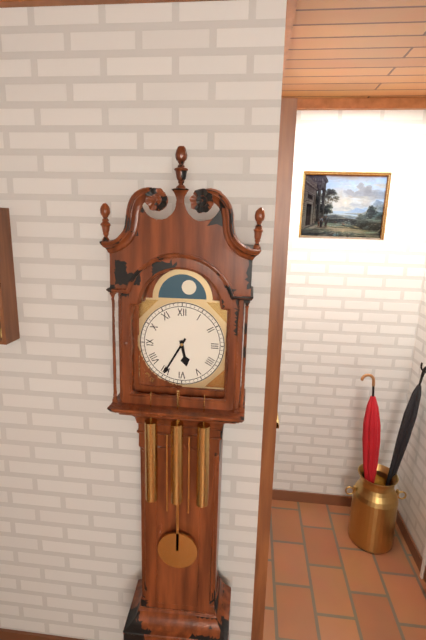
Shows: 5:35
